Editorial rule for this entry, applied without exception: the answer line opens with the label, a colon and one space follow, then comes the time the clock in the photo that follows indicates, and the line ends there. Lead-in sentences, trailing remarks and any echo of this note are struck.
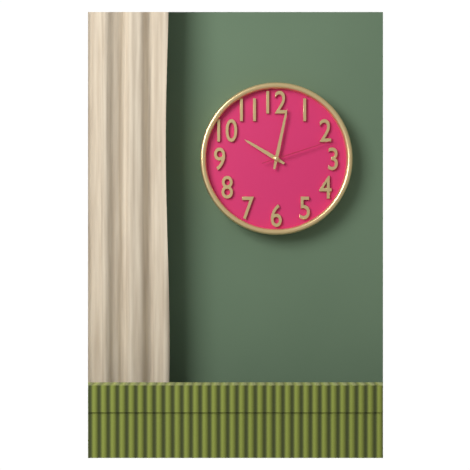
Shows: 10:02:12
